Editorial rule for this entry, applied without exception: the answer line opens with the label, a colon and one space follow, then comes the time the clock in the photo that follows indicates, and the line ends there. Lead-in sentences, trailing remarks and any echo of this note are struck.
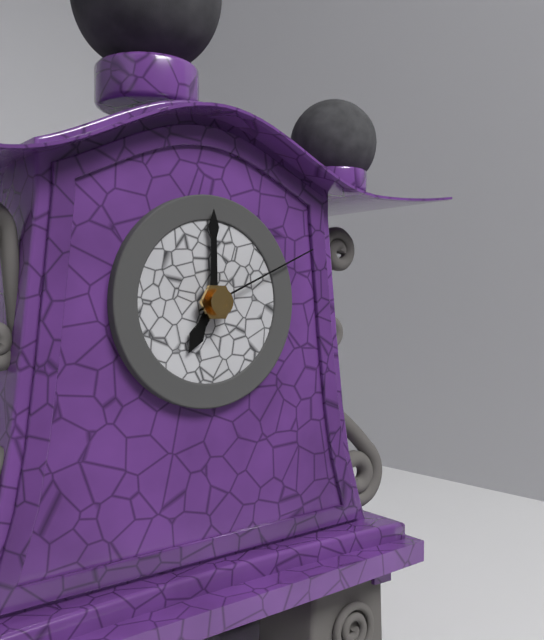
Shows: 7:00:11
